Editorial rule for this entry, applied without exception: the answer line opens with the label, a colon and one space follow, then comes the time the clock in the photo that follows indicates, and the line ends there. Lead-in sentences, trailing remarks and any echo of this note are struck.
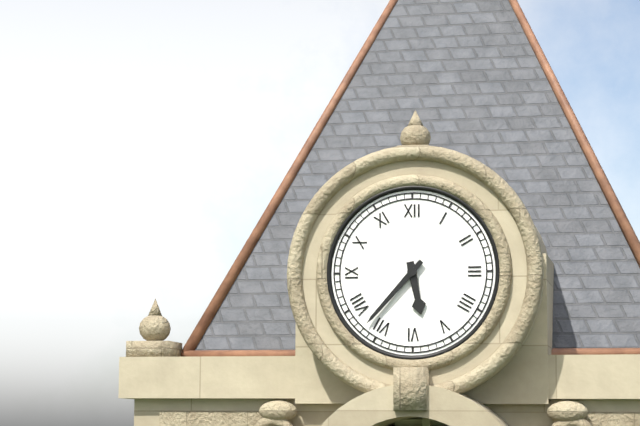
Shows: 5:37
